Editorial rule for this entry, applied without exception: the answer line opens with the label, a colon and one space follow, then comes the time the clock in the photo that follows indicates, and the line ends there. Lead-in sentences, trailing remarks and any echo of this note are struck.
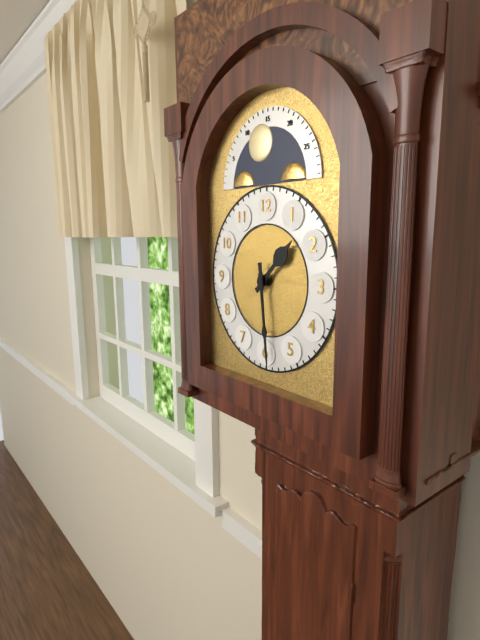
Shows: 1:29
